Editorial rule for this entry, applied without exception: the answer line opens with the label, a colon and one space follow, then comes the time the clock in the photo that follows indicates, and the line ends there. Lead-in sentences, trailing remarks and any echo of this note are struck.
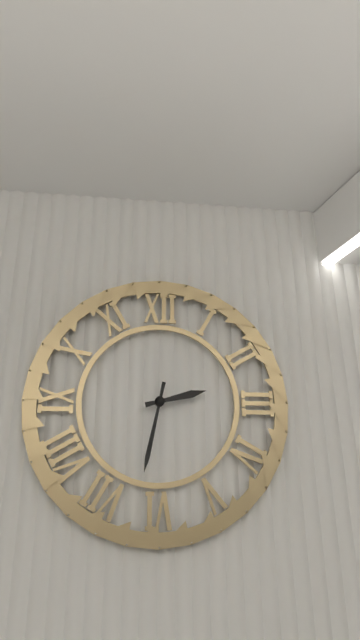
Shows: 2:32
